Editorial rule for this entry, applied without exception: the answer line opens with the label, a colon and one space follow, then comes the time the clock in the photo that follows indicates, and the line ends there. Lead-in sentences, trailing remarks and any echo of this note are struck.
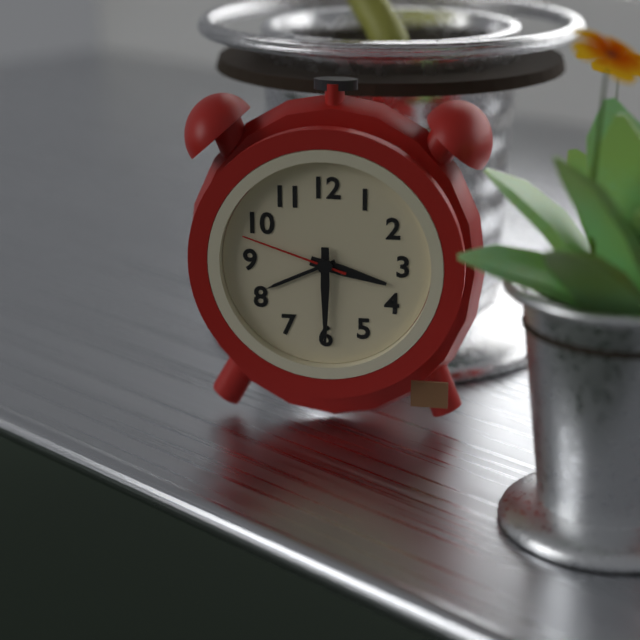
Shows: 3:30:48
